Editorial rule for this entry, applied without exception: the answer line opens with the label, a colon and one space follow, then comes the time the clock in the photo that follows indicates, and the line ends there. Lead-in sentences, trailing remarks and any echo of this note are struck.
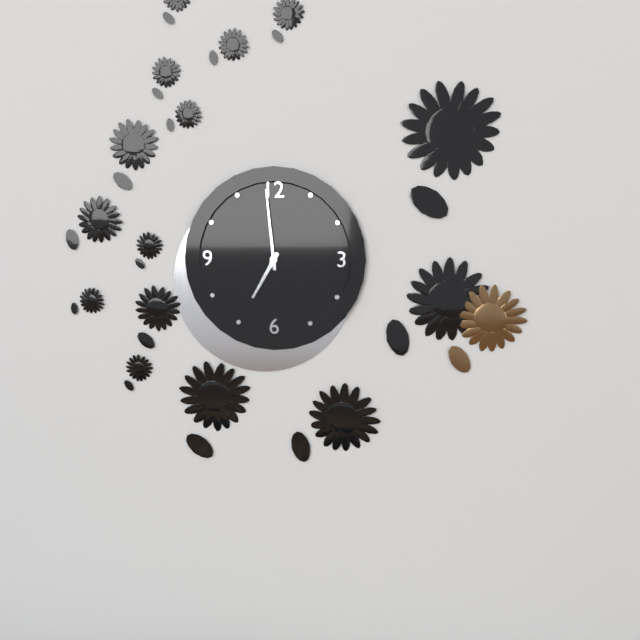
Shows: 6:59
